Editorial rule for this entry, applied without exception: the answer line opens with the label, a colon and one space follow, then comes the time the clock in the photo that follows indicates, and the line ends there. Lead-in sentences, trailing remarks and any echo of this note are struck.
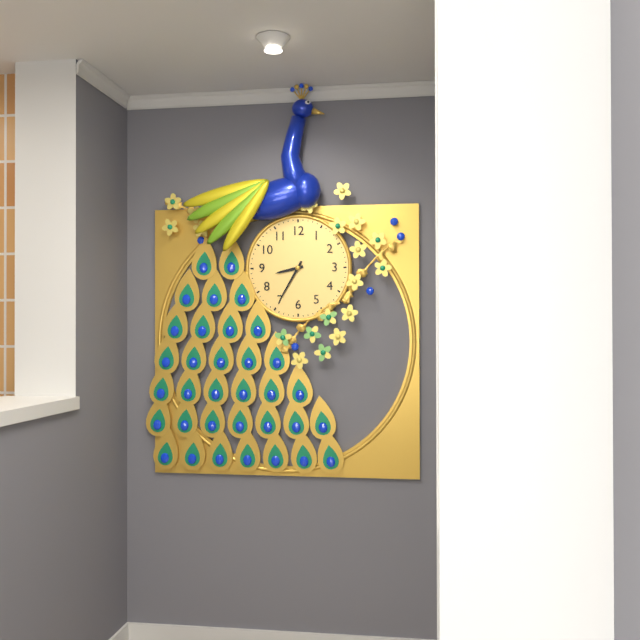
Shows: 8:35
